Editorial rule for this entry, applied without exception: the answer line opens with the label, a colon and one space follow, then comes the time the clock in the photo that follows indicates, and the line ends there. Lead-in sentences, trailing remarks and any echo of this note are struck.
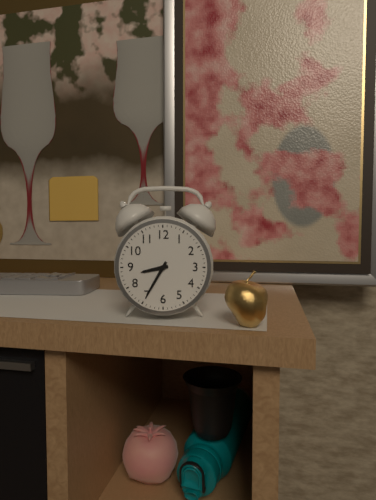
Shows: 8:35
